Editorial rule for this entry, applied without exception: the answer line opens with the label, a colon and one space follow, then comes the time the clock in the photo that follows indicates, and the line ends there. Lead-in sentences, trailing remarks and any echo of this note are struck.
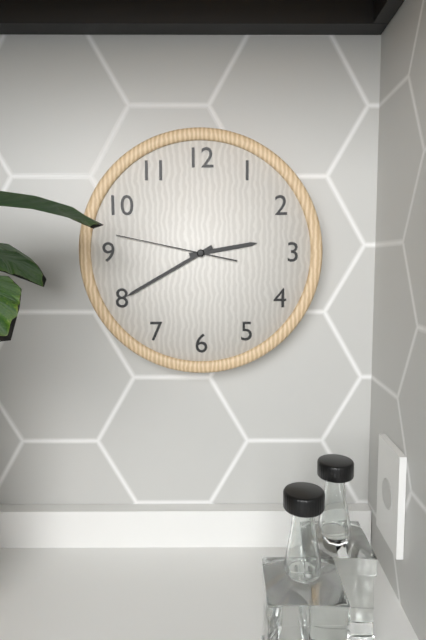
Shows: 2:40:47
